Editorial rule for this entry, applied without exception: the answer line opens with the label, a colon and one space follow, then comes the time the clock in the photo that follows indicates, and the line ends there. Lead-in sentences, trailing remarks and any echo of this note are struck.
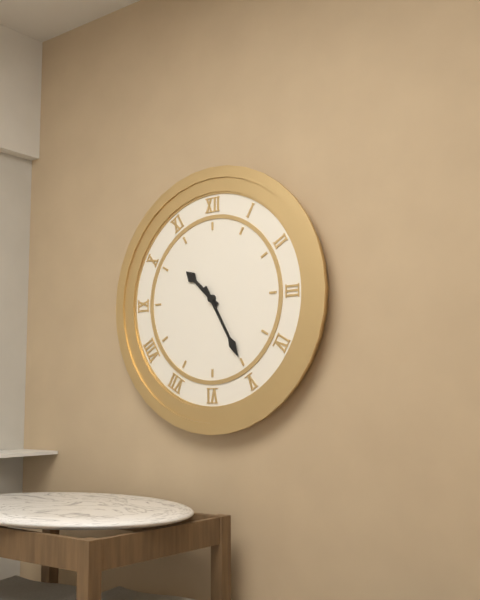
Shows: 10:25
